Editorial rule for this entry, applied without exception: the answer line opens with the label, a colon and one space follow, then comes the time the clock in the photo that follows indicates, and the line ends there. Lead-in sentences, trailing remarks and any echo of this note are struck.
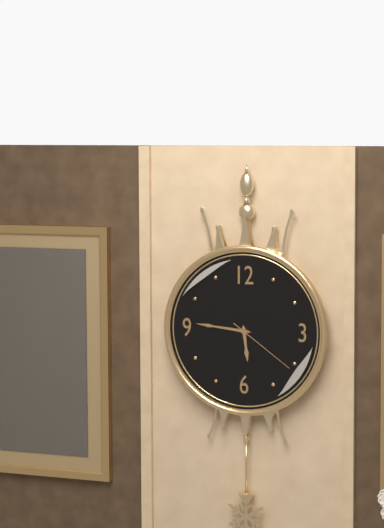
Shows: 5:46:21
